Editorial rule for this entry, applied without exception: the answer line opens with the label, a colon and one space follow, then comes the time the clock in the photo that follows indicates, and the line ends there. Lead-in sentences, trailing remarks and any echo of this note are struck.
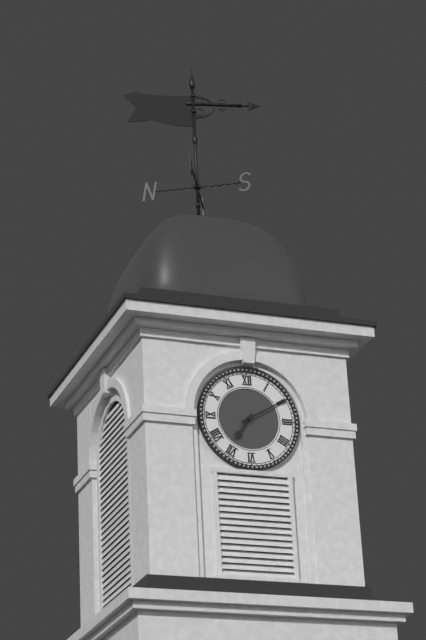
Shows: 7:10
